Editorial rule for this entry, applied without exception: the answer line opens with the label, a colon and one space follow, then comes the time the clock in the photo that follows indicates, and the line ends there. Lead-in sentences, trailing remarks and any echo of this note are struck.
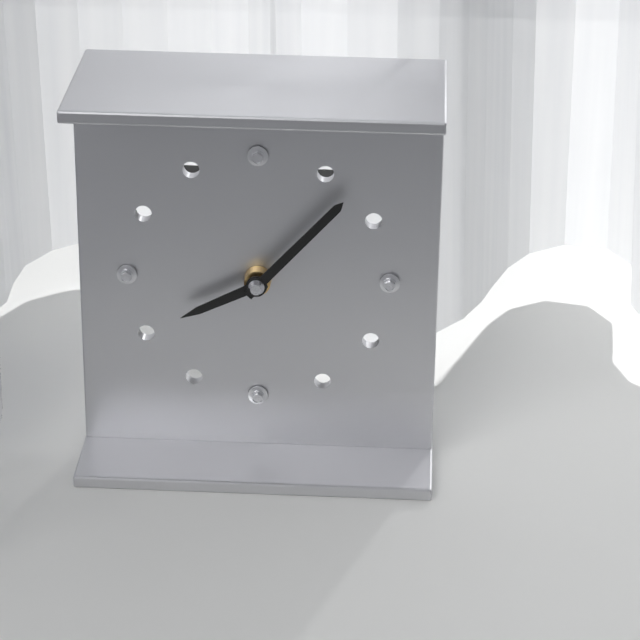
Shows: 8:07
